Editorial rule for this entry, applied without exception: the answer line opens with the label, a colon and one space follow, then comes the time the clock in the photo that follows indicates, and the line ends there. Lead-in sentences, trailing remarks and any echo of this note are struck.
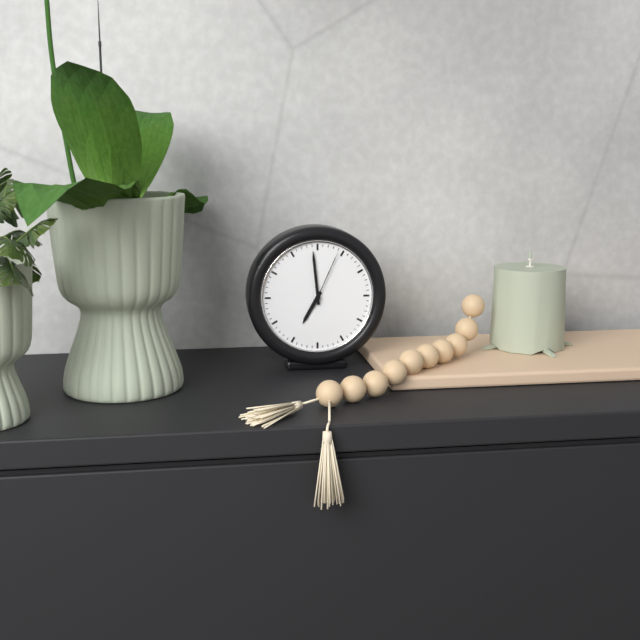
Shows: 6:59:04
